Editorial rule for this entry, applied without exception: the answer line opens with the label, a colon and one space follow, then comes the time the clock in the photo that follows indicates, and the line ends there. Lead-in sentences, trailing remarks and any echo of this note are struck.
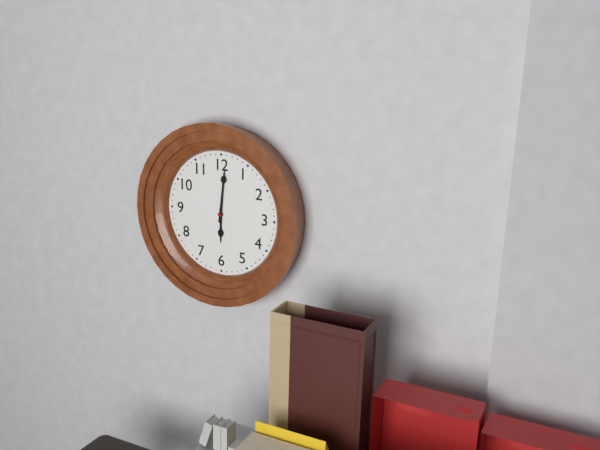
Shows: 6:01
